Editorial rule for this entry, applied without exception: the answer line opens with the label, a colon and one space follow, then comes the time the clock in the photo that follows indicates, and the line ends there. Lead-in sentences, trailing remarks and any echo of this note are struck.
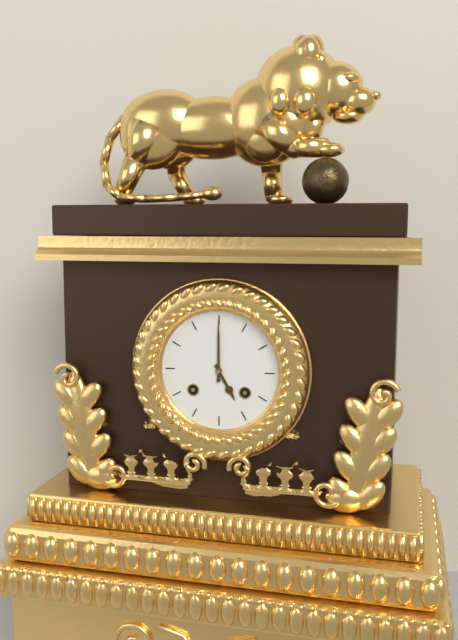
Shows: 5:00
